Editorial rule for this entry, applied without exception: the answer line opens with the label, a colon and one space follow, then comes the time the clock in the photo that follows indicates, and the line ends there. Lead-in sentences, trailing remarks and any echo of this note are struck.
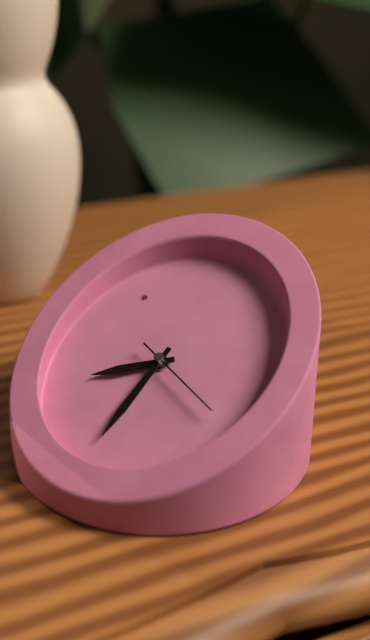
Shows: 10:45:33
